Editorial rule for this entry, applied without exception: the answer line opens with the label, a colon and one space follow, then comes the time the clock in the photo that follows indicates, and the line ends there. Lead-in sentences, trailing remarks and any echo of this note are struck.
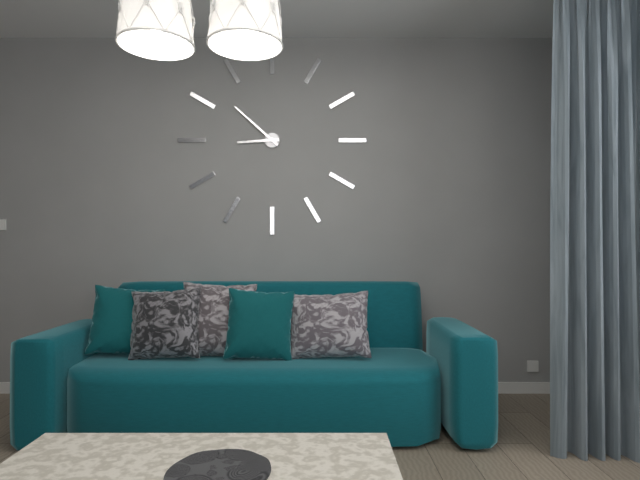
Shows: 8:52
